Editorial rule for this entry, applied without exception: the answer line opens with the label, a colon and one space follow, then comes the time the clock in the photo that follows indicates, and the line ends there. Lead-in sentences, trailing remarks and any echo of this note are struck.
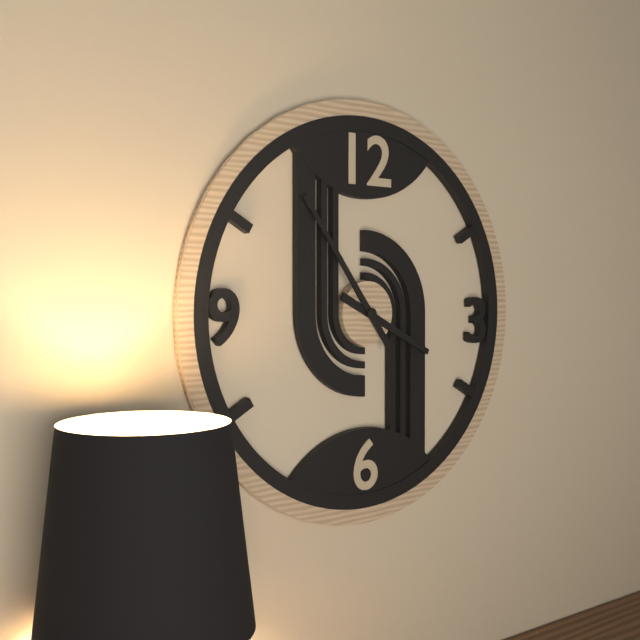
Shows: 3:54
